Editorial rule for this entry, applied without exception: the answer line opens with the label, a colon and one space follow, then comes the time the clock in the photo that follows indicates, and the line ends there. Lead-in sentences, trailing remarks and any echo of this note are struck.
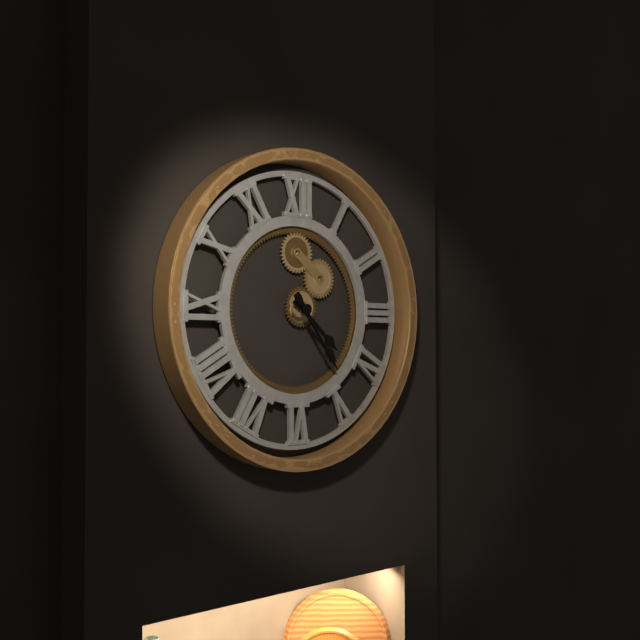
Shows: 4:24
